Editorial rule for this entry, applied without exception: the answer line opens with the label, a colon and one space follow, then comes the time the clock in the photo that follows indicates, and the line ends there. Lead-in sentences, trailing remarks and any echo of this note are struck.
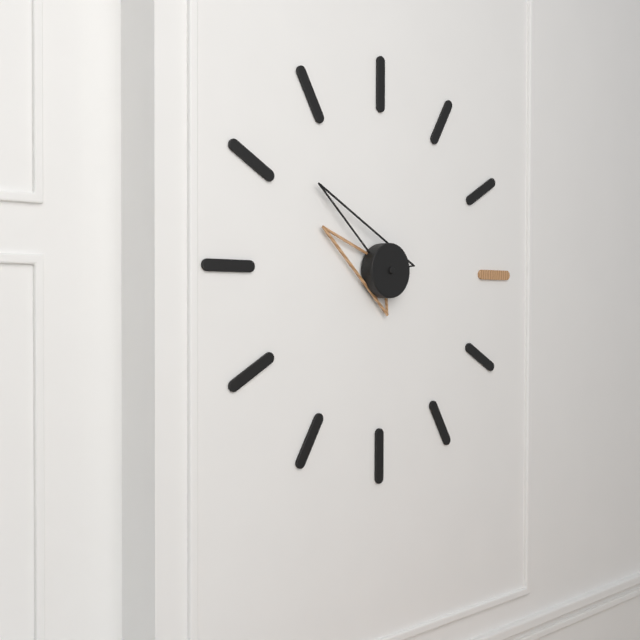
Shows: 9:52
